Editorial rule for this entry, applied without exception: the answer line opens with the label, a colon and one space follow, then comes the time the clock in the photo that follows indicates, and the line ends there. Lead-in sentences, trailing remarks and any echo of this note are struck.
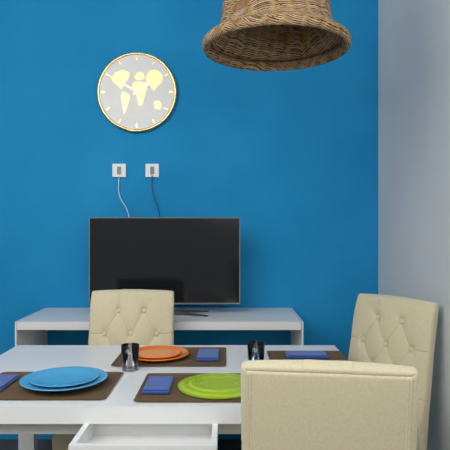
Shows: 1:50
